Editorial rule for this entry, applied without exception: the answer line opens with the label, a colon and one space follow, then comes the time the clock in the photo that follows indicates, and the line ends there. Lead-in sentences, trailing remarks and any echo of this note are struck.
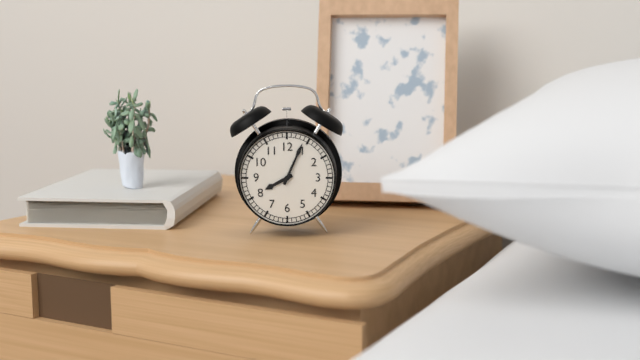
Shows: 8:04
